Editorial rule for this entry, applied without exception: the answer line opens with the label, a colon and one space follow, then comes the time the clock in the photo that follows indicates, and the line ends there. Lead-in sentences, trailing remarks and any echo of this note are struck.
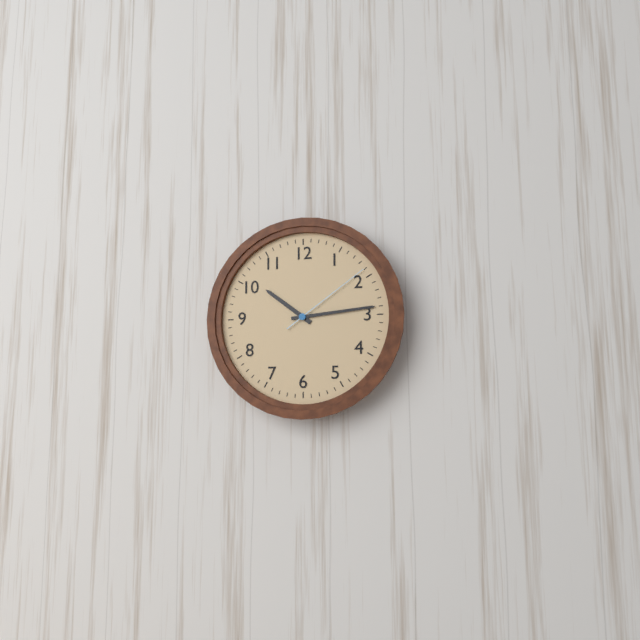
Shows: 10:14:09
